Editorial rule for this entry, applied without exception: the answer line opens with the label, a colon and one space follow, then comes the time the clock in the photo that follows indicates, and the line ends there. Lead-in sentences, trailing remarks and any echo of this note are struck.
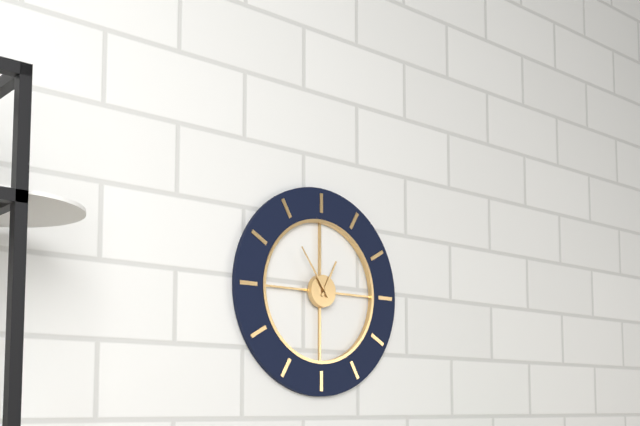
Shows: 12:54
